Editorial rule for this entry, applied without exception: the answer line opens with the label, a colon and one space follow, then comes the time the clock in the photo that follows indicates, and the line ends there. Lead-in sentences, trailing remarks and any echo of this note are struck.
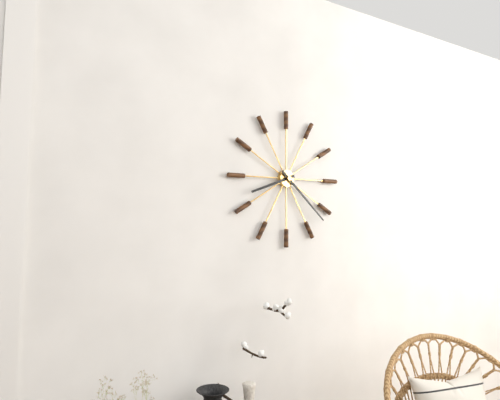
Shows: 8:22
